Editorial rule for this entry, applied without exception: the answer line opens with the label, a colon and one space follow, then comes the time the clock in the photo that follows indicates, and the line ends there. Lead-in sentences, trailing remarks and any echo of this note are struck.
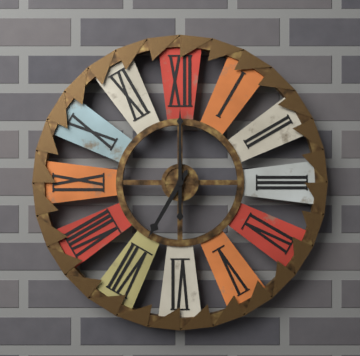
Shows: 7:00
